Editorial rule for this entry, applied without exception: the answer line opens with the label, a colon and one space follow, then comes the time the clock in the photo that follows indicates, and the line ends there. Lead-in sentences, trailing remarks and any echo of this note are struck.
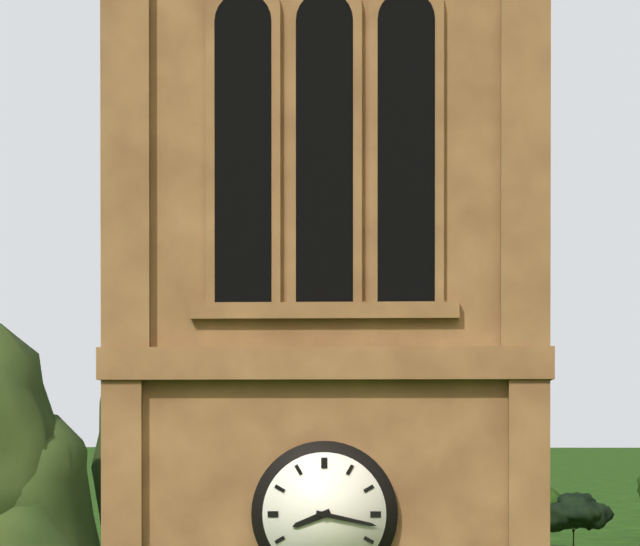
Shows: 8:17
